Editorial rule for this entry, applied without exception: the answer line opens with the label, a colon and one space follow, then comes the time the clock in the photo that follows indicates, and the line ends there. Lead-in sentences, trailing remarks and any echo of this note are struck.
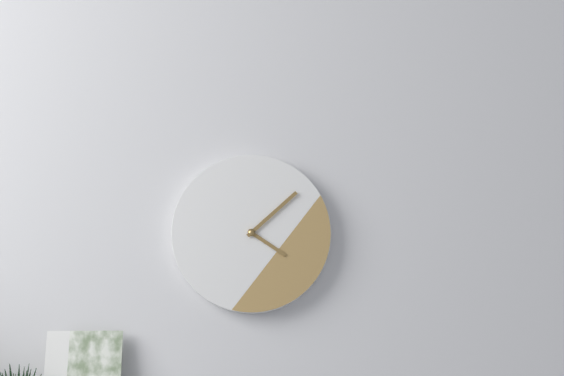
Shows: 4:08
